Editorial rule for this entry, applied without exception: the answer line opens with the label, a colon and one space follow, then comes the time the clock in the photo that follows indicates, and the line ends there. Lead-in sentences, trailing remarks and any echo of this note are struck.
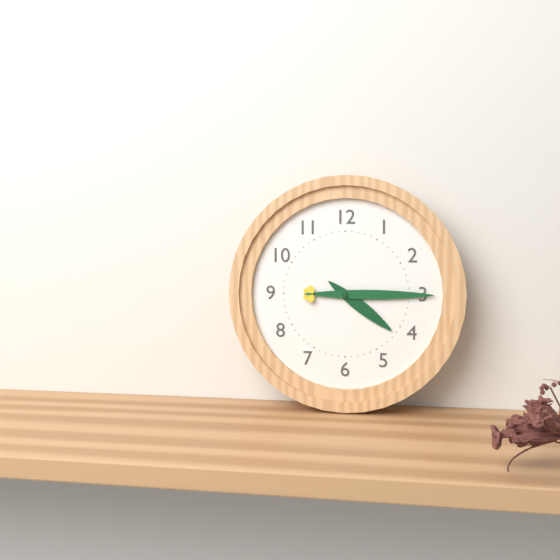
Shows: 4:15
